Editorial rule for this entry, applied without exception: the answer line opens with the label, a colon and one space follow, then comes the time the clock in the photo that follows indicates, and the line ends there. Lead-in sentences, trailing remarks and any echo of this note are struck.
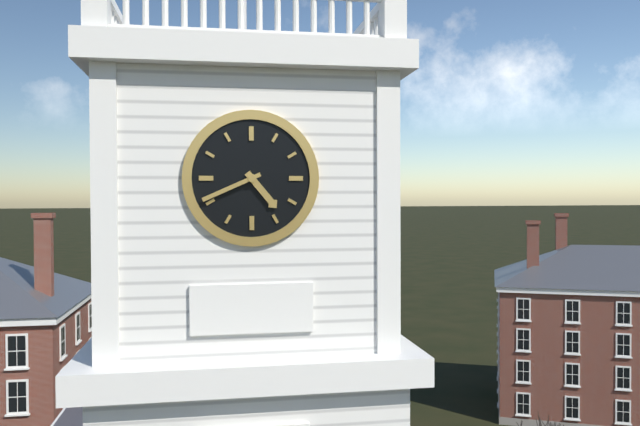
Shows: 4:41
